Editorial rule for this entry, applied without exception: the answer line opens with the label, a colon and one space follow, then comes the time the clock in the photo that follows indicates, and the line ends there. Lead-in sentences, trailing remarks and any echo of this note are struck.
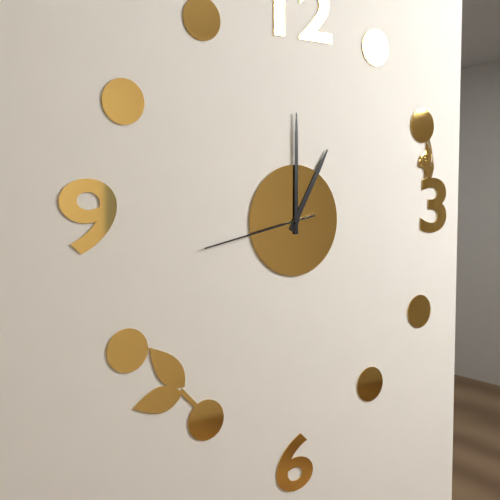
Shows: 1:00:43
